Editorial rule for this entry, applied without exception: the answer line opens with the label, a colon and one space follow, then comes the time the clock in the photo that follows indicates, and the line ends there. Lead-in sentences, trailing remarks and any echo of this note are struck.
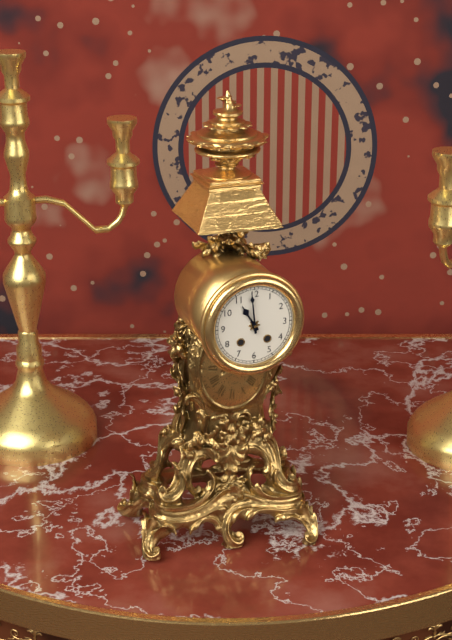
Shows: 10:59
